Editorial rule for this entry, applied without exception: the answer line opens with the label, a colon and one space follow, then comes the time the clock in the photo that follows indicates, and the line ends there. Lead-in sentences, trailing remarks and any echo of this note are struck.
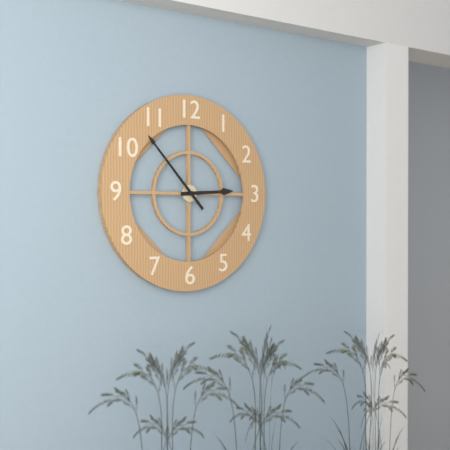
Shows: 2:53
